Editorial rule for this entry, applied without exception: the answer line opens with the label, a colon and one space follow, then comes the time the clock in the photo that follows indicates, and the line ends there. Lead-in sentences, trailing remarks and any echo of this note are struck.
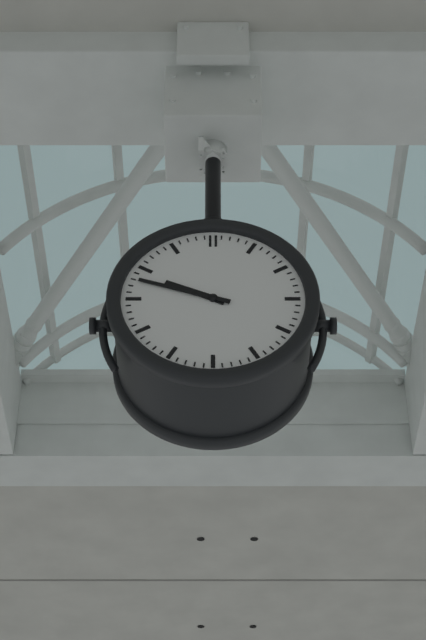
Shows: 9:48
